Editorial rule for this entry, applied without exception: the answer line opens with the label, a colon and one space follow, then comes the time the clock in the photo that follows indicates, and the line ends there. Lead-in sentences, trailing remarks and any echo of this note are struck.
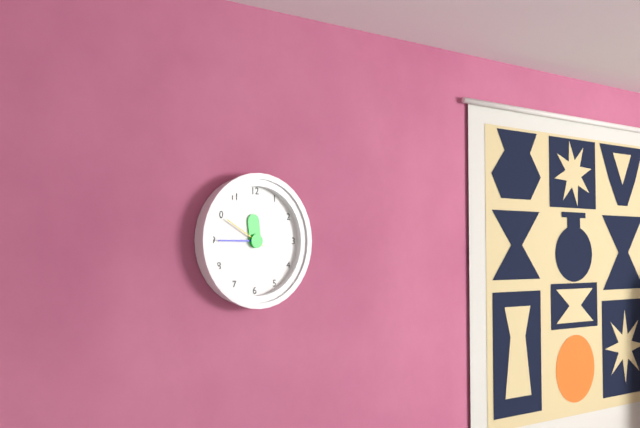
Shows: 11:45
